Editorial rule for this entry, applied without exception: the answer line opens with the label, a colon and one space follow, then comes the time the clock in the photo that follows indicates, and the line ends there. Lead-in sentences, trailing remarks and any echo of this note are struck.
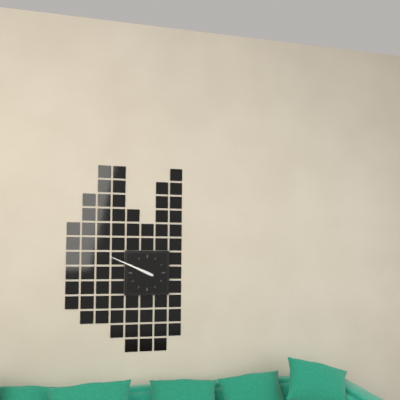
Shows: 9:49
